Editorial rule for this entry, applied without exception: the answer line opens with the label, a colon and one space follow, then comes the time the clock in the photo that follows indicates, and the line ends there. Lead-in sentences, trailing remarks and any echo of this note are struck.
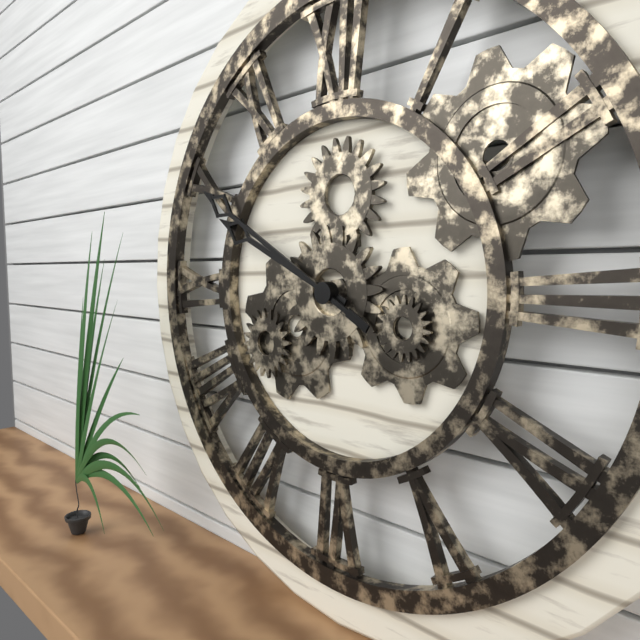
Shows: 9:50
